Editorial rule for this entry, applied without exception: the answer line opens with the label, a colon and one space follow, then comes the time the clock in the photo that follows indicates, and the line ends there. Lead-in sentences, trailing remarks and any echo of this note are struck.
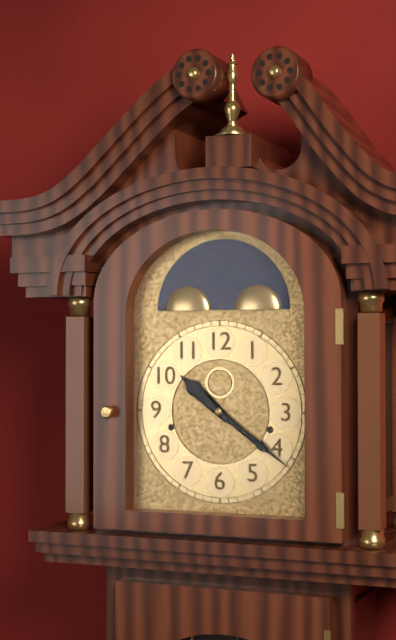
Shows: 10:21
